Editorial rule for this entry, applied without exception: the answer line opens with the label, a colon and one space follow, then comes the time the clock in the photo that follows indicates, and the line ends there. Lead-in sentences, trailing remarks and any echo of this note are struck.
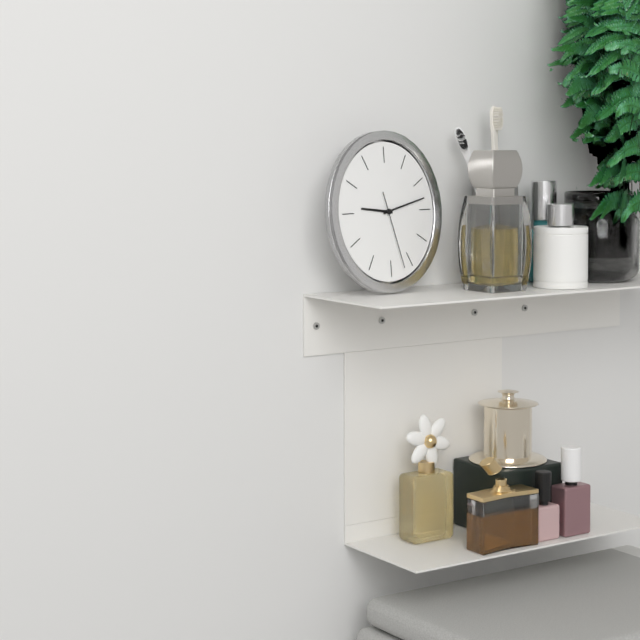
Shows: 9:13:27
